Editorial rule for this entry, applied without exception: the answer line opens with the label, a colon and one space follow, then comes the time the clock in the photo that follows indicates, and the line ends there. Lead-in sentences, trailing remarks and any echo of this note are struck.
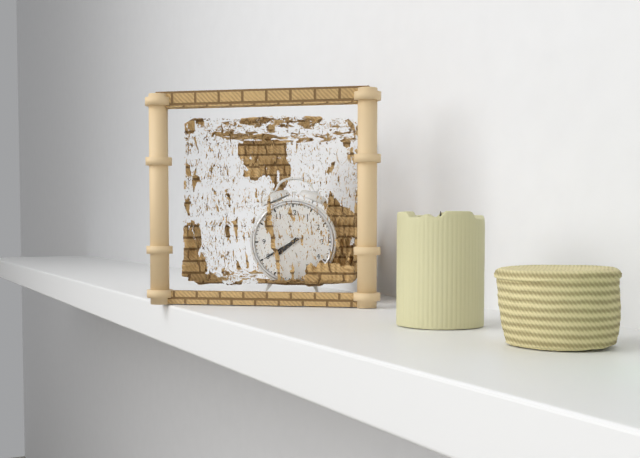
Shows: 7:40
